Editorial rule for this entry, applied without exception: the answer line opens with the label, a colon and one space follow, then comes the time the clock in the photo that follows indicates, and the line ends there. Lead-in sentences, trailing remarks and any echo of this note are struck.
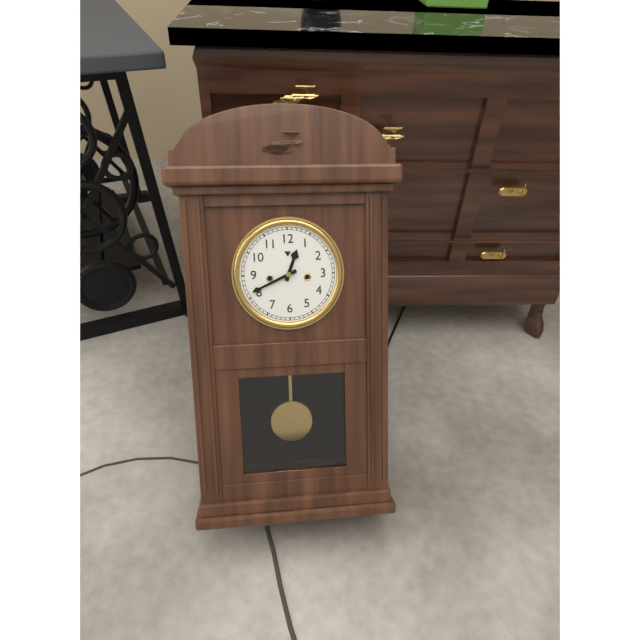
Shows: 12:41
